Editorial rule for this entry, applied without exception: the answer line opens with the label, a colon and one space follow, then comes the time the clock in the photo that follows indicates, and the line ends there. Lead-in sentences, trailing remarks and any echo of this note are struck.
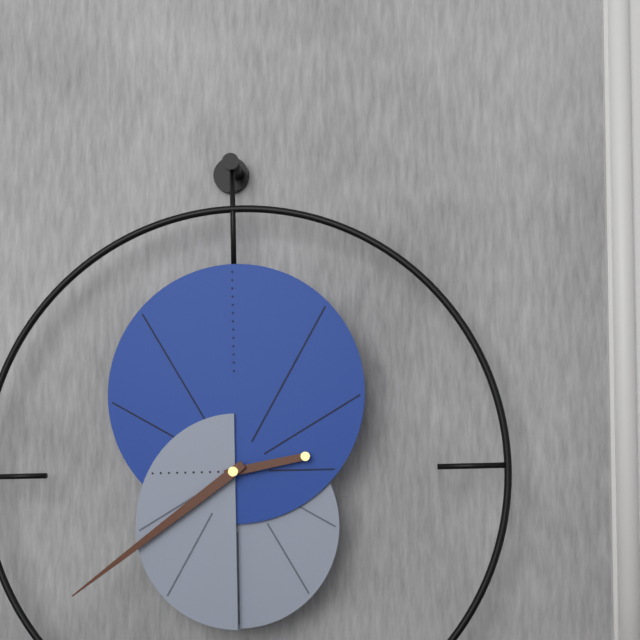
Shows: 2:39
